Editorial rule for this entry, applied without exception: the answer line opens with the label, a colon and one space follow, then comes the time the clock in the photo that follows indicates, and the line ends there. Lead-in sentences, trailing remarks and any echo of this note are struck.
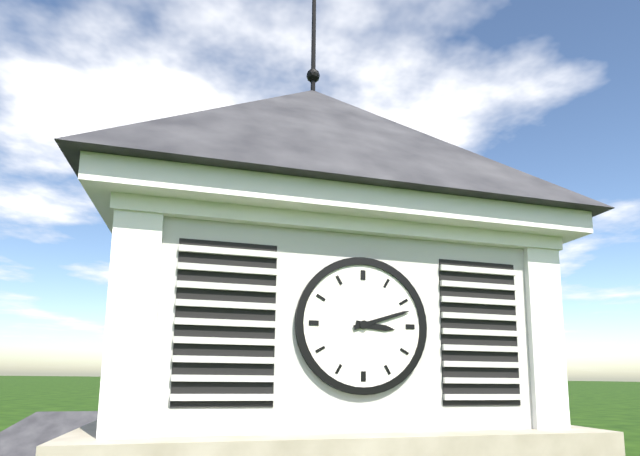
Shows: 3:12
